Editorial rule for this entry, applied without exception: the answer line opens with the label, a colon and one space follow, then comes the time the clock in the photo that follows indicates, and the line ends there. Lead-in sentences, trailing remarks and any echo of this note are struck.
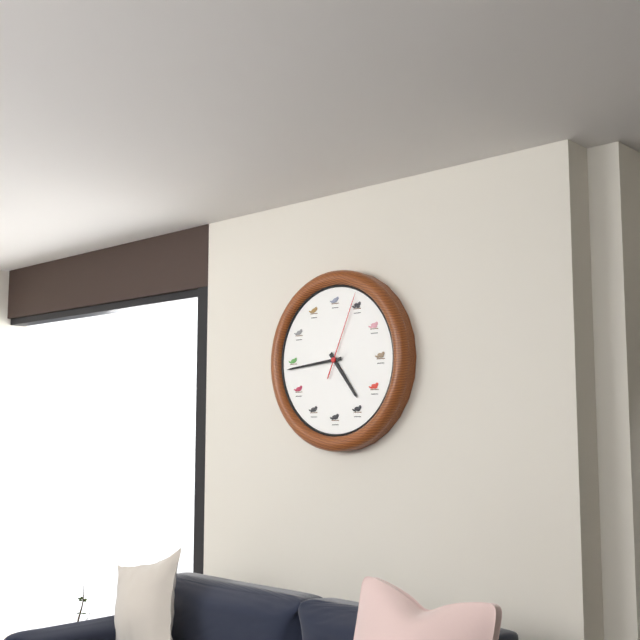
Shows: 4:44:04
